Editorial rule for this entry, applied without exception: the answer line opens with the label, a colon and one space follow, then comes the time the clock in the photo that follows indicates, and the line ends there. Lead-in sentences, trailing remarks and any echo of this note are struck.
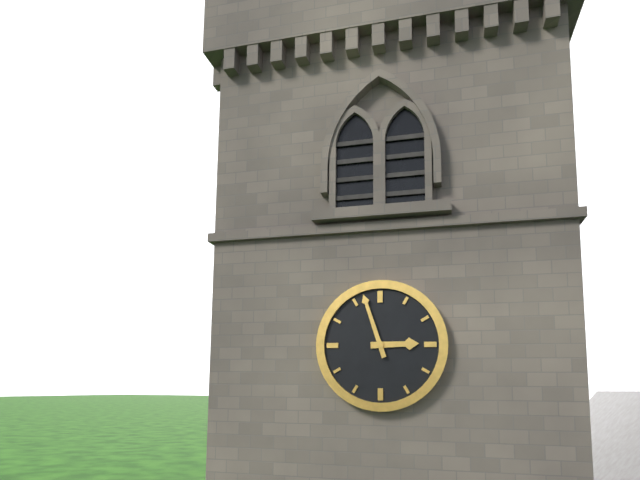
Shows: 2:57
